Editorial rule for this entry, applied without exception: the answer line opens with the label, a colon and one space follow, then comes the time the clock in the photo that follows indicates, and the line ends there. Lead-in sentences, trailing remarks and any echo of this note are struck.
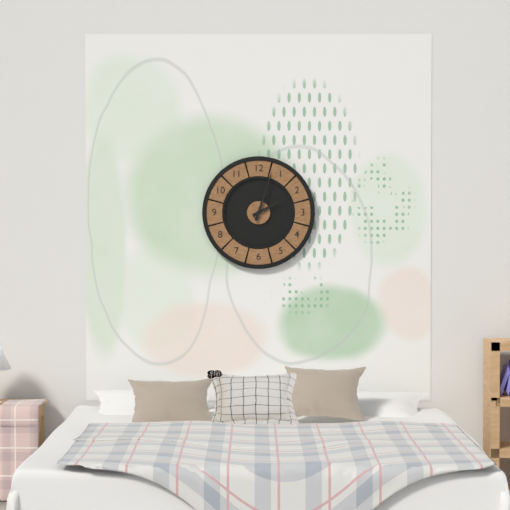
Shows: 2:03
